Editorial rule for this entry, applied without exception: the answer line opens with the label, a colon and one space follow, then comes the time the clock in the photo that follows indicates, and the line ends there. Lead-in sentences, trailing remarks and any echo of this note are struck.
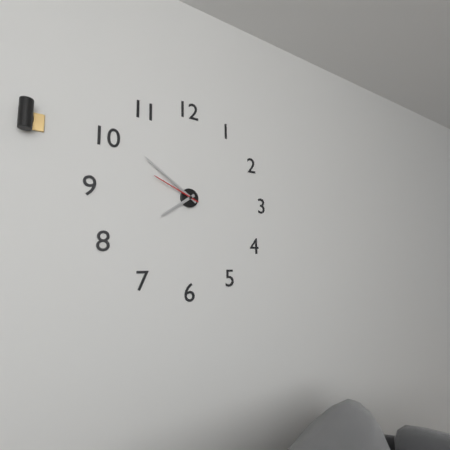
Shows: 7:51:49
